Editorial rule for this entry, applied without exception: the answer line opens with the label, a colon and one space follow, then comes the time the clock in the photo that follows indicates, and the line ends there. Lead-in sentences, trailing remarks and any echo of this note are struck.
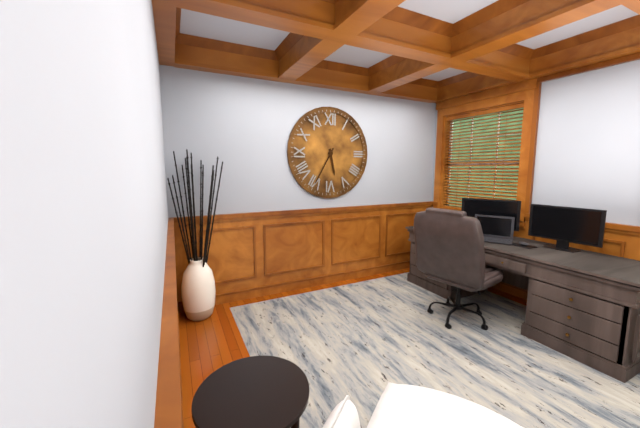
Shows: 5:35
